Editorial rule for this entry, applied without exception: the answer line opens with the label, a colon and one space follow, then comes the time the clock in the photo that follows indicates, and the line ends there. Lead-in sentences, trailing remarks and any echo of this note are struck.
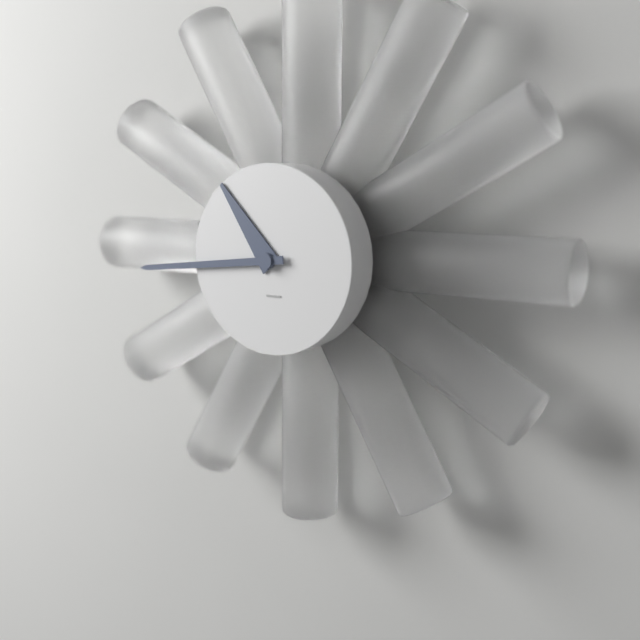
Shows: 10:44
